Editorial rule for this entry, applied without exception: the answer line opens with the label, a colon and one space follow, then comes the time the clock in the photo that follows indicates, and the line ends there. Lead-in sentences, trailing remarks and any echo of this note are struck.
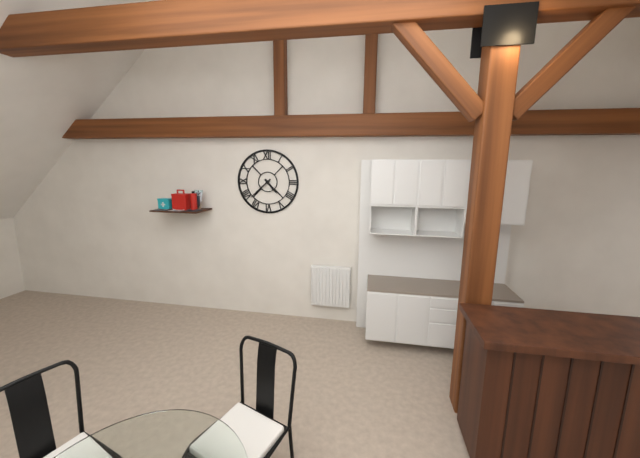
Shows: 4:38
